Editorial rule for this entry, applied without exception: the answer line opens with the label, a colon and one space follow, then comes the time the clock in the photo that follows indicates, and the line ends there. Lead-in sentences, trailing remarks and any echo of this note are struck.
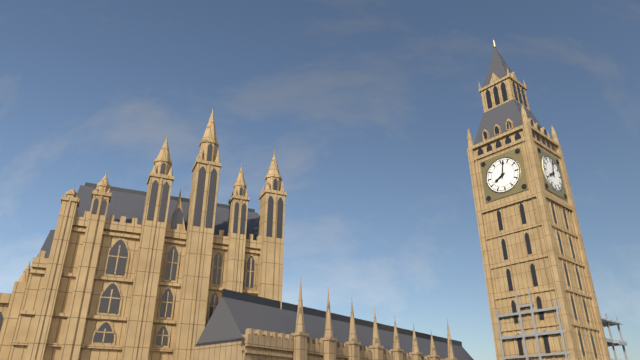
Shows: 8:02
